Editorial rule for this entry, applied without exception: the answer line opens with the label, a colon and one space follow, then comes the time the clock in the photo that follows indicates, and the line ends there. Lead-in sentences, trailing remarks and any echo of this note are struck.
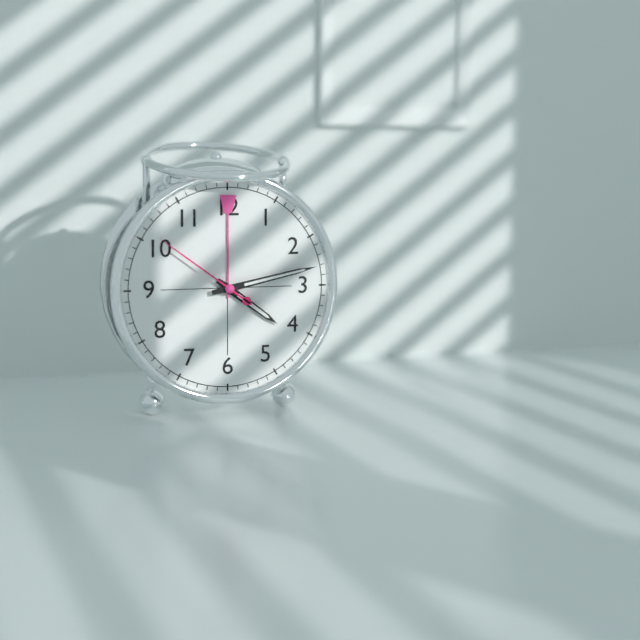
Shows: 4:13:51
